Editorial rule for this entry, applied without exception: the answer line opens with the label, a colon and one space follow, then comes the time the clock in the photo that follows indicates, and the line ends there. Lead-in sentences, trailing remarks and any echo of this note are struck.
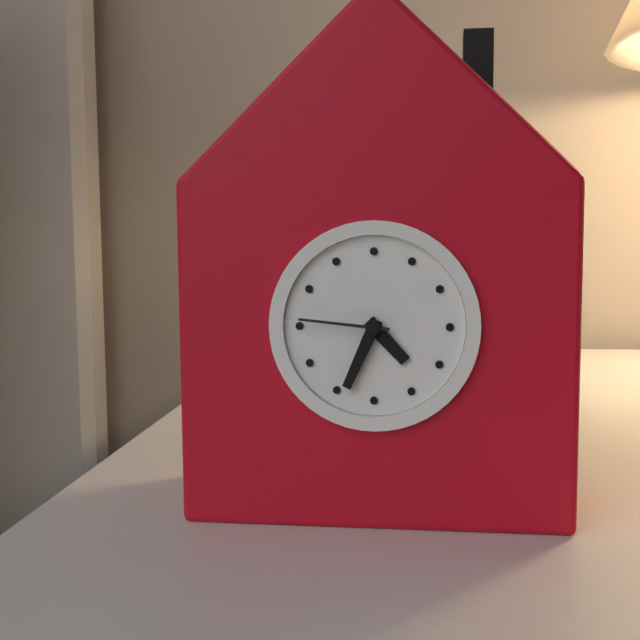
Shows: 4:34:46
